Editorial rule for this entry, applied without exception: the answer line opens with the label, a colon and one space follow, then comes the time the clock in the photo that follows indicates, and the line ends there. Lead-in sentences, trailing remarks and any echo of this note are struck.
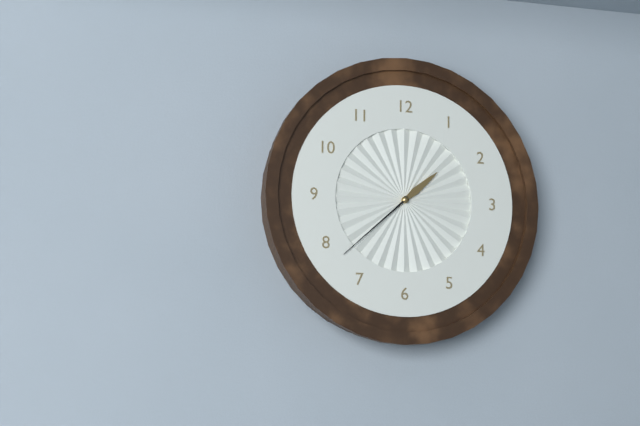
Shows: 1:38
